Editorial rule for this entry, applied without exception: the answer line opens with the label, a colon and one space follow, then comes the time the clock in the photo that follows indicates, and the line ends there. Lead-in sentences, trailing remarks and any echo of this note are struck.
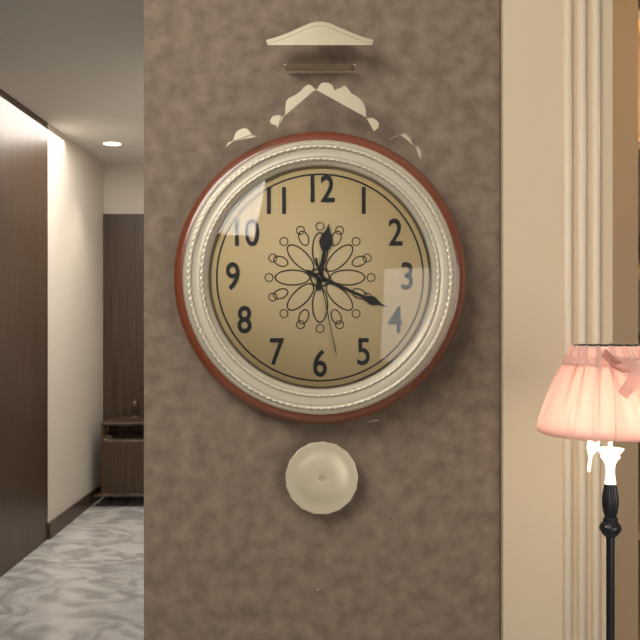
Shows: 12:19:28
